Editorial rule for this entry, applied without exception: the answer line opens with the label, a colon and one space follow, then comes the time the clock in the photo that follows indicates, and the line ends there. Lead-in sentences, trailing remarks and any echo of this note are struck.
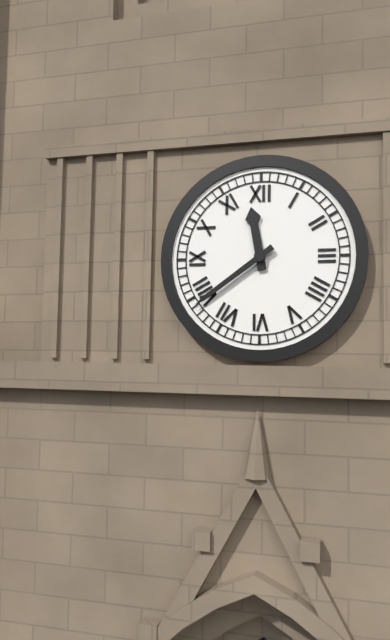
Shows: 11:39
